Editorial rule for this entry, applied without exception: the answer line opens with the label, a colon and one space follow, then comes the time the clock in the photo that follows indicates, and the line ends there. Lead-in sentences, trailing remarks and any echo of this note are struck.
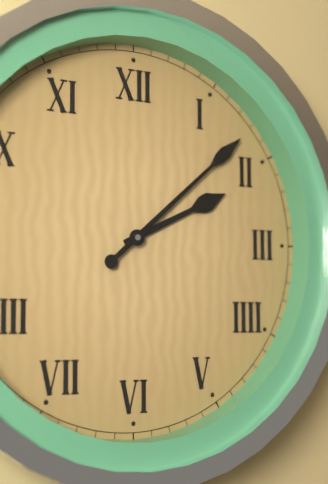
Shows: 2:08
